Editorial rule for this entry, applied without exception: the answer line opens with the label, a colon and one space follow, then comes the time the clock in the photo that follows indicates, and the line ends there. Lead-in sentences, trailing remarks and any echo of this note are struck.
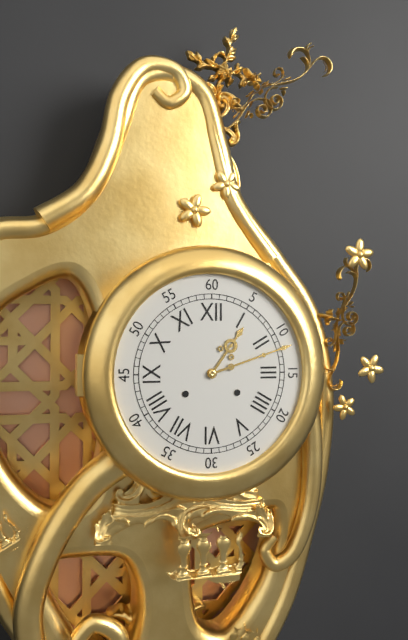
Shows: 1:12
